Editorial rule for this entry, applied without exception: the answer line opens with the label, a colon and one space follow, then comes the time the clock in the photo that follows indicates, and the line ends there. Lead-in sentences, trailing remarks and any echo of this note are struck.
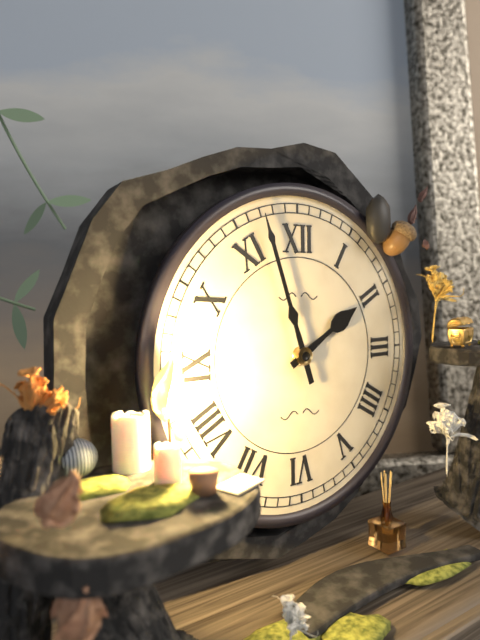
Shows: 1:57
